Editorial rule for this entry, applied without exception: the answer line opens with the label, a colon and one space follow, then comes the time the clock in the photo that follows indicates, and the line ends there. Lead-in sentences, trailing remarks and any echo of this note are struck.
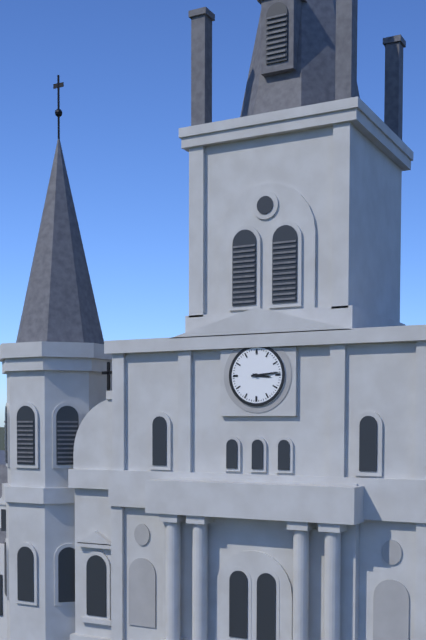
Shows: 3:14
